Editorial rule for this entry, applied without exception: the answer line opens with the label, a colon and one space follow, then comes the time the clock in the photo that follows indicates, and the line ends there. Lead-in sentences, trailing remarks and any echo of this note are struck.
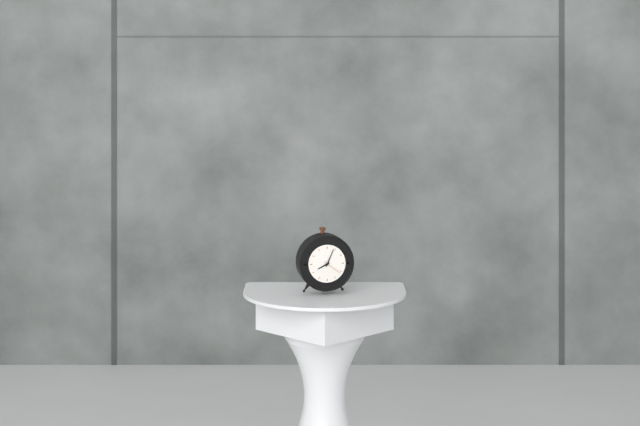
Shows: 8:04
